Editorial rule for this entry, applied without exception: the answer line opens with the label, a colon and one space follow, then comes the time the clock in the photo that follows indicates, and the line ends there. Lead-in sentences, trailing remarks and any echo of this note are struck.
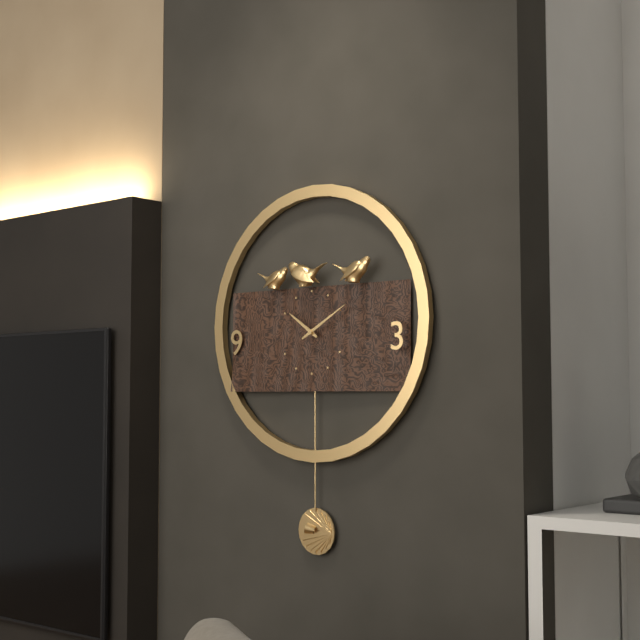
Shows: 10:10
